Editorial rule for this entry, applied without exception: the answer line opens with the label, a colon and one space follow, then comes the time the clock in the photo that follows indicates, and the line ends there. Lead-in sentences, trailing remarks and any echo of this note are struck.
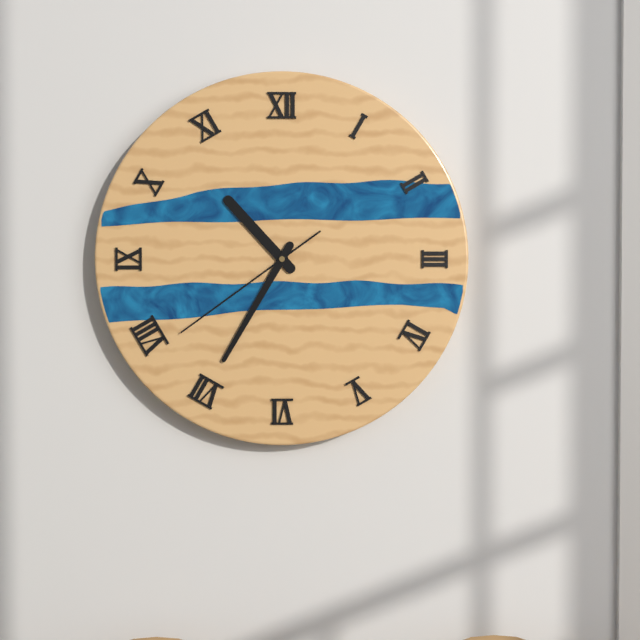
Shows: 10:35:39
